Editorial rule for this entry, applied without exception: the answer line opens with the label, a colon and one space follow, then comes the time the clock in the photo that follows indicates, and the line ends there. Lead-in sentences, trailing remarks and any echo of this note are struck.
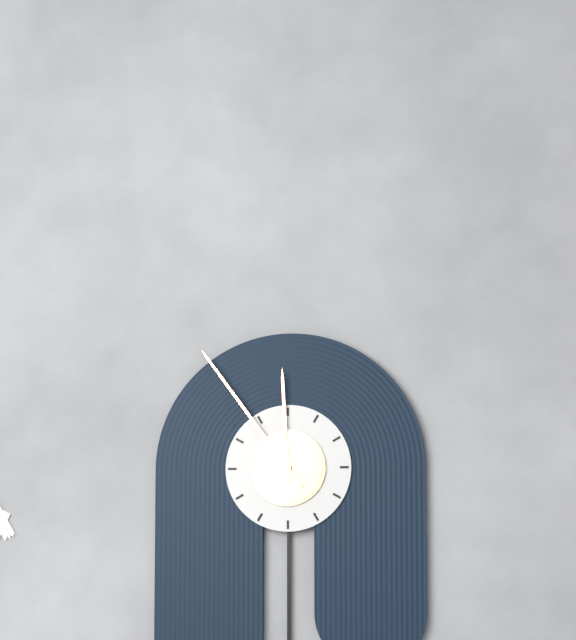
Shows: 11:54
